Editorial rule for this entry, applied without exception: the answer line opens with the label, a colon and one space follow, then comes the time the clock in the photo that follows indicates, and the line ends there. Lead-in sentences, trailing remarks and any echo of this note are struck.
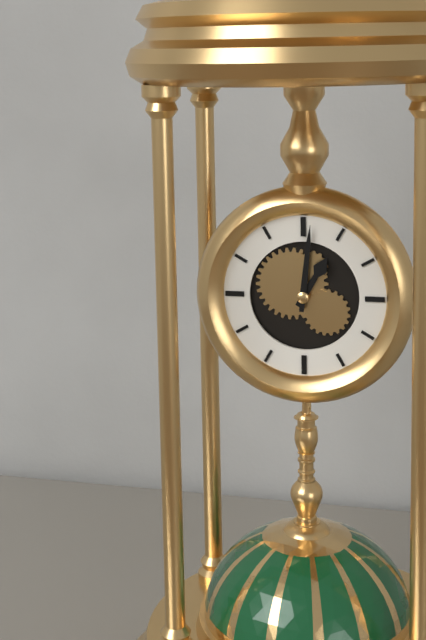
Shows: 1:01
